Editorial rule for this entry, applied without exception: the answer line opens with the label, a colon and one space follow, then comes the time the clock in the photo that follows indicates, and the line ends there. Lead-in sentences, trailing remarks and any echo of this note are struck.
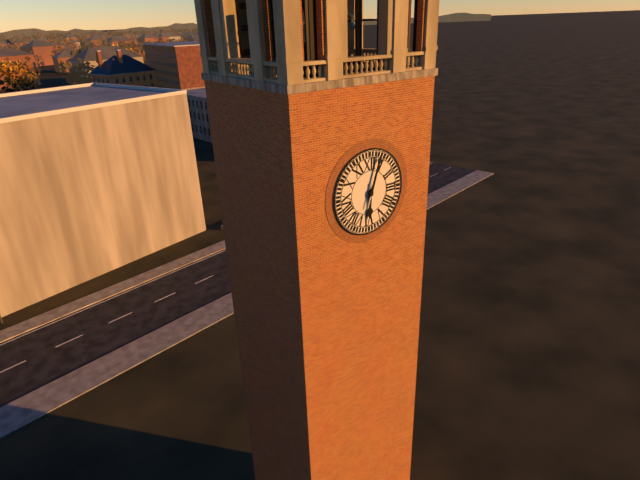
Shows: 6:03
